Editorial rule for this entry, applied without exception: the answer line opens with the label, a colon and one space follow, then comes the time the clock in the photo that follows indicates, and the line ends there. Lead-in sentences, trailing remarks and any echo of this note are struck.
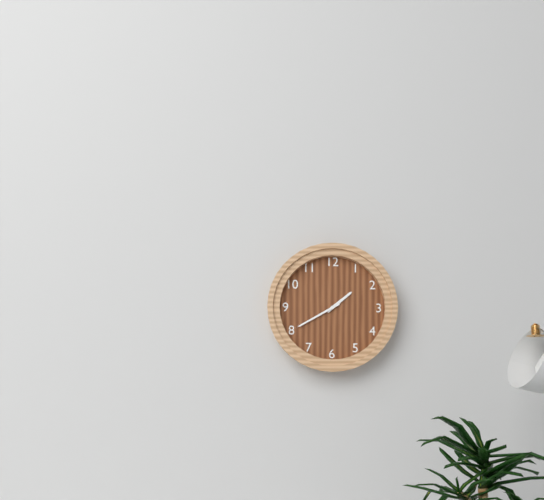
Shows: 1:40
